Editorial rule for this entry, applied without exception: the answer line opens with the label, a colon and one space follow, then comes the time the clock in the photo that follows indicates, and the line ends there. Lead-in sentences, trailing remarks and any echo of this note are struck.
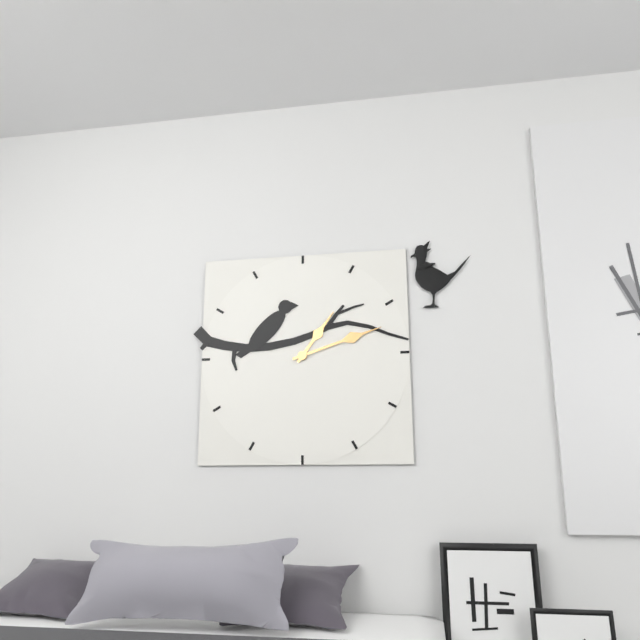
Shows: 1:12
